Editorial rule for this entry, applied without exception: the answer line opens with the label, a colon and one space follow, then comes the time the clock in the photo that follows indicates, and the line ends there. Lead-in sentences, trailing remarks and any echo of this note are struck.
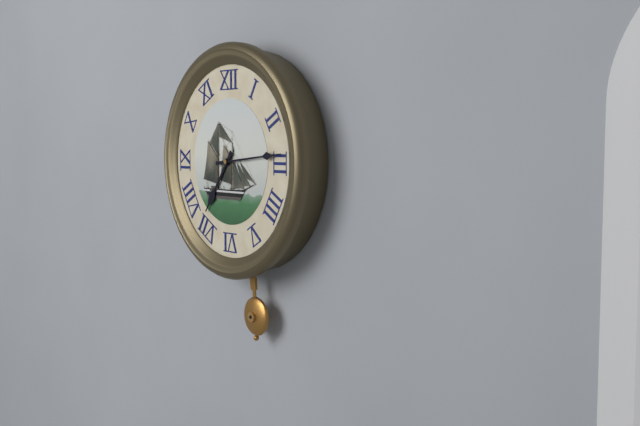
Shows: 7:14
